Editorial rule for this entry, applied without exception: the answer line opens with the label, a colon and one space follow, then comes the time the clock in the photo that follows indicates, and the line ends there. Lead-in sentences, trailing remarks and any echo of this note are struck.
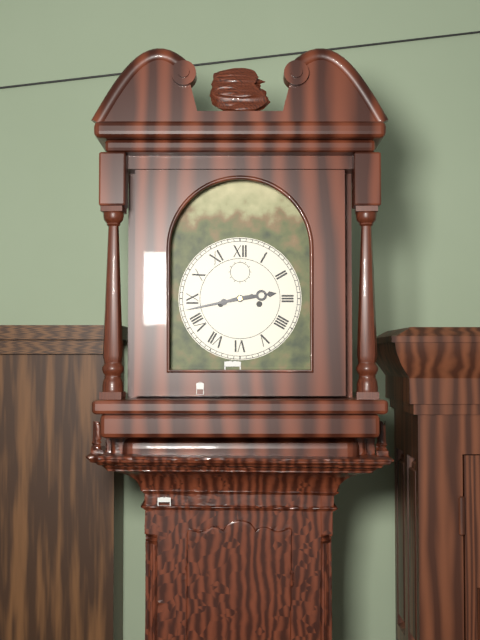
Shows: 2:43
